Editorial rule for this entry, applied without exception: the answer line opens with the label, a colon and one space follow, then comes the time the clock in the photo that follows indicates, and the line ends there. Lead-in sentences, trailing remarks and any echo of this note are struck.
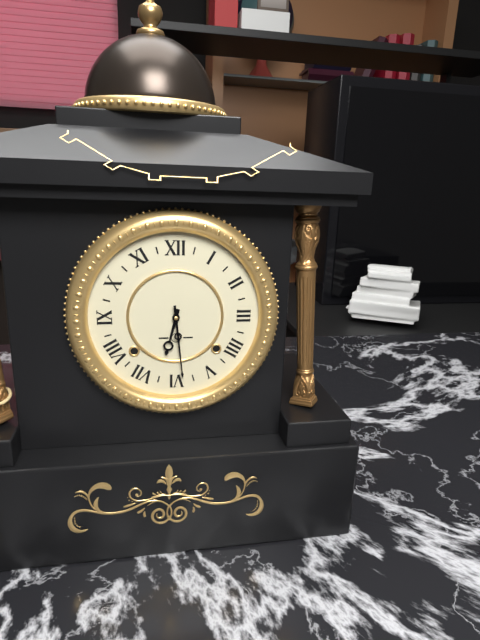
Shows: 6:29
